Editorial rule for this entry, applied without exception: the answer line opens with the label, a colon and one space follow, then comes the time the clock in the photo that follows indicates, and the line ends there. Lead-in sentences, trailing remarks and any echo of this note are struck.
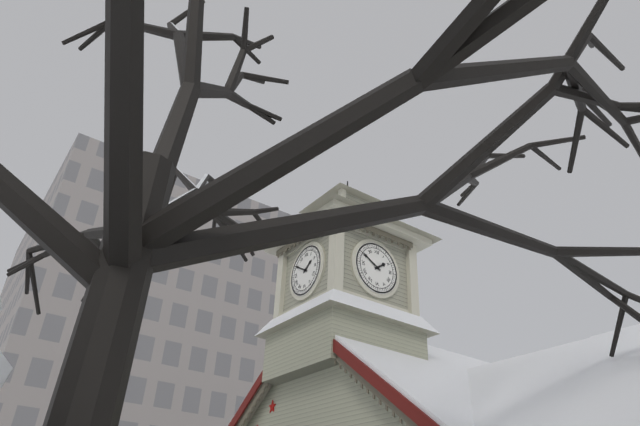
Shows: 1:50
